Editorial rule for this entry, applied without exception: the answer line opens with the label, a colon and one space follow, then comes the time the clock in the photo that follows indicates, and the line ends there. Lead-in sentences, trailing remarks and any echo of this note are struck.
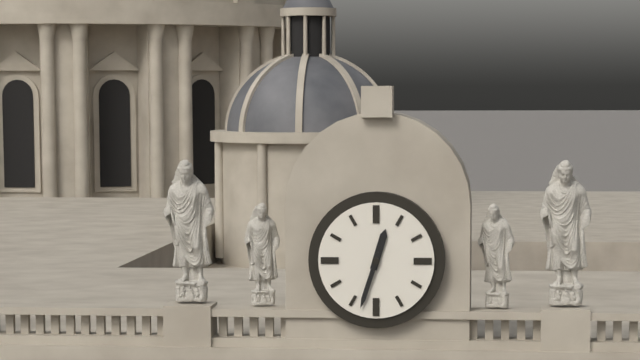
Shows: 12:33
